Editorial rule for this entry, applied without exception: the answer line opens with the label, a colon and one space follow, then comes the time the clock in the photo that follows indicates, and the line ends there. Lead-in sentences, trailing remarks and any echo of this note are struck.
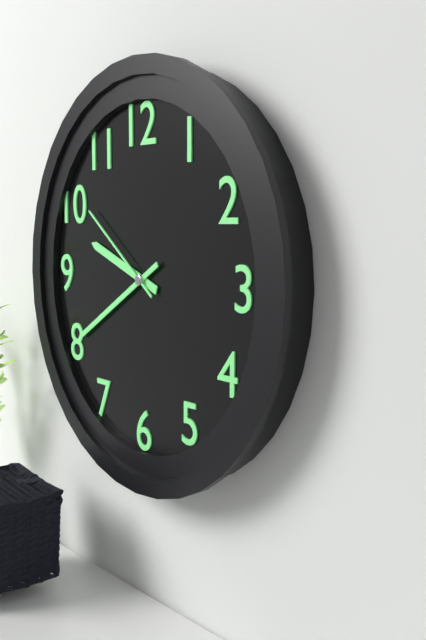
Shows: 9:40:51
